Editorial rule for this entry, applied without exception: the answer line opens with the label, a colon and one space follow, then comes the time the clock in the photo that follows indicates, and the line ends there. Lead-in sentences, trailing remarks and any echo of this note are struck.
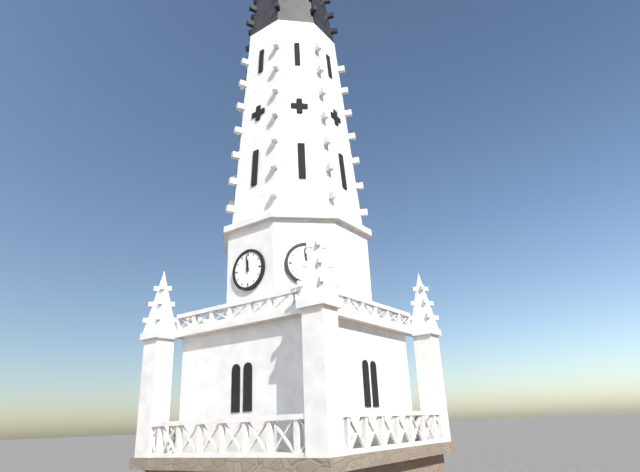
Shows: 11:59
